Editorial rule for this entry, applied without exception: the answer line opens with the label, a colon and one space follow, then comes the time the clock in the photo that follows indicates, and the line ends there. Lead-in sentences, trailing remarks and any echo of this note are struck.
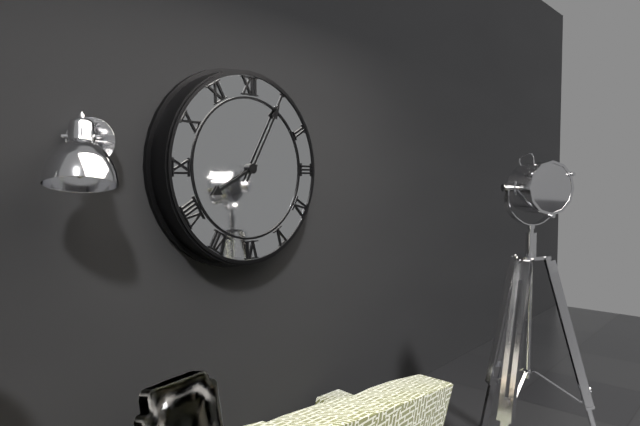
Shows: 8:05
